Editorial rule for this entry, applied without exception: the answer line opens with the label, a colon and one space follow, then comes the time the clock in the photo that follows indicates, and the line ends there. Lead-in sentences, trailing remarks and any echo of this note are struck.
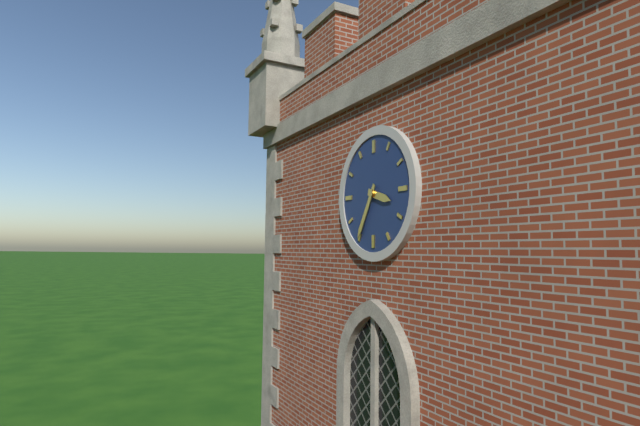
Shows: 3:35
